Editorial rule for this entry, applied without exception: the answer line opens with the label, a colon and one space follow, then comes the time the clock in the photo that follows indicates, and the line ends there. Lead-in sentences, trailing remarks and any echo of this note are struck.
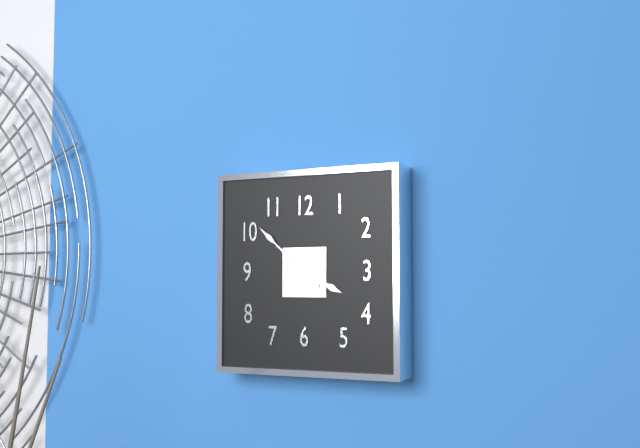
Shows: 3:52
